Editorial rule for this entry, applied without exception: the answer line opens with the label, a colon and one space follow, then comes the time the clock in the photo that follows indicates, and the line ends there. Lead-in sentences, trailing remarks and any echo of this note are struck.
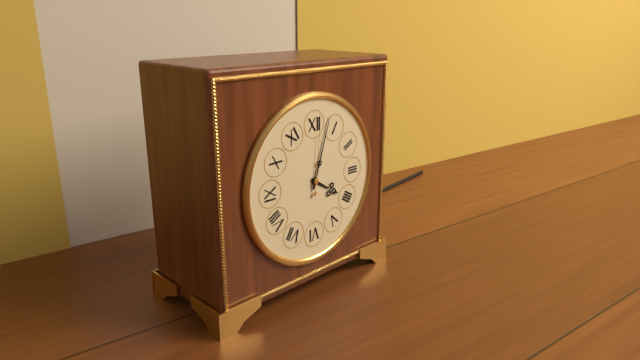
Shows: 4:03:01
